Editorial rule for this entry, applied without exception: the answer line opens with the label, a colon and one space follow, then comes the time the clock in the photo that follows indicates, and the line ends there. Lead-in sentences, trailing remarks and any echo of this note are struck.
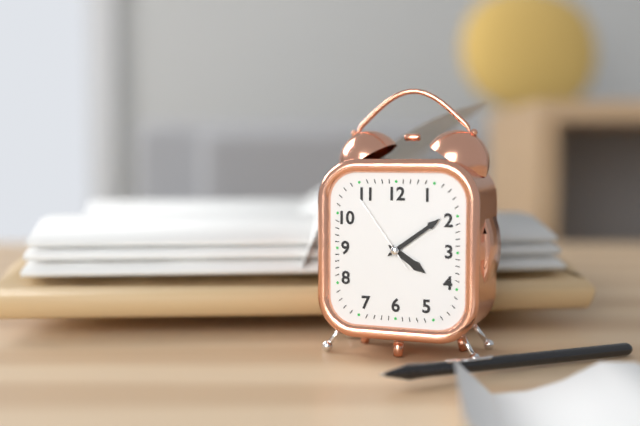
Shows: 4:09:54
